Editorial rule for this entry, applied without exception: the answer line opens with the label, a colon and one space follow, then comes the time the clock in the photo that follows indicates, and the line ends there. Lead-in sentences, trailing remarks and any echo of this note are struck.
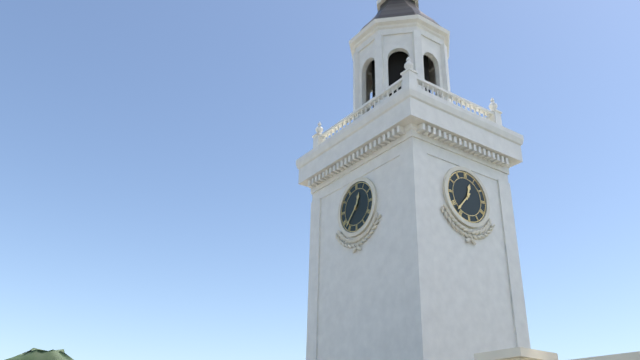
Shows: 12:37
